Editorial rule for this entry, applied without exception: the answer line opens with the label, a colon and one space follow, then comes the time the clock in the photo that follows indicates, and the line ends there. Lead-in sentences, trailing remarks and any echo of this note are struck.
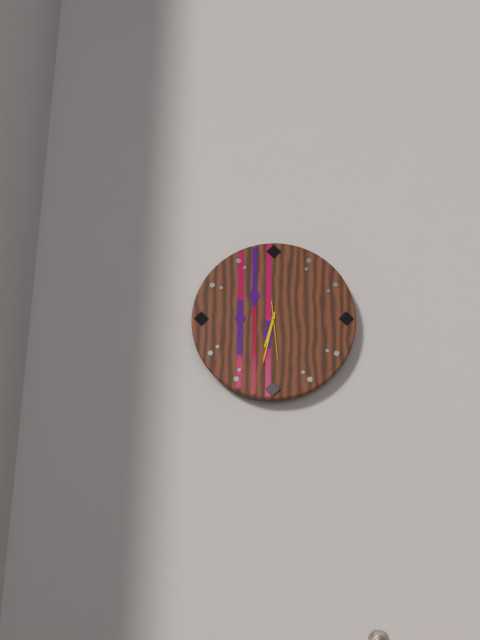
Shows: 6:32
